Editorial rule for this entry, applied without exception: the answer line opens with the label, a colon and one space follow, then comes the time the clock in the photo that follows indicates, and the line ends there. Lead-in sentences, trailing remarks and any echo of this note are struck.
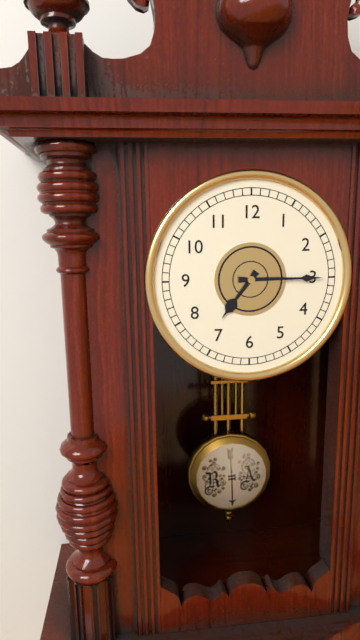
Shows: 7:15
